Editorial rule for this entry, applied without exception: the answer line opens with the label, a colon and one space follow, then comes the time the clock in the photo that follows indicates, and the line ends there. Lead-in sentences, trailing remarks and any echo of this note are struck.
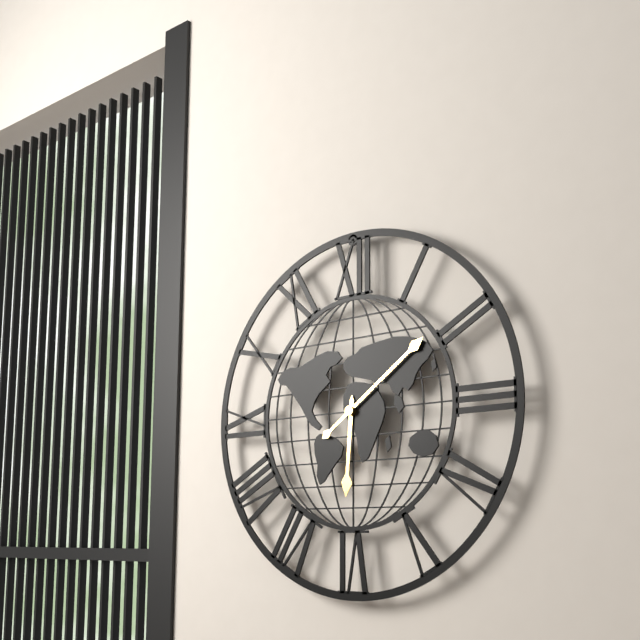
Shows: 6:09
